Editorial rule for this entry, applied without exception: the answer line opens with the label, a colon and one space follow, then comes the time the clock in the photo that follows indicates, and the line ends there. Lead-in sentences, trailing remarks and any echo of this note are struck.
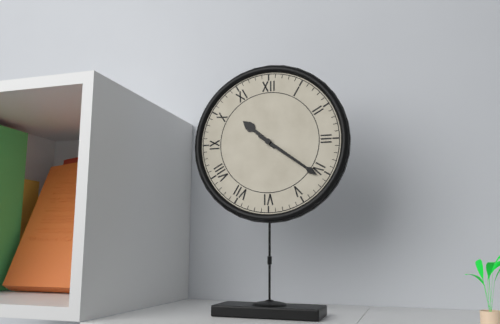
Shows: 10:21
